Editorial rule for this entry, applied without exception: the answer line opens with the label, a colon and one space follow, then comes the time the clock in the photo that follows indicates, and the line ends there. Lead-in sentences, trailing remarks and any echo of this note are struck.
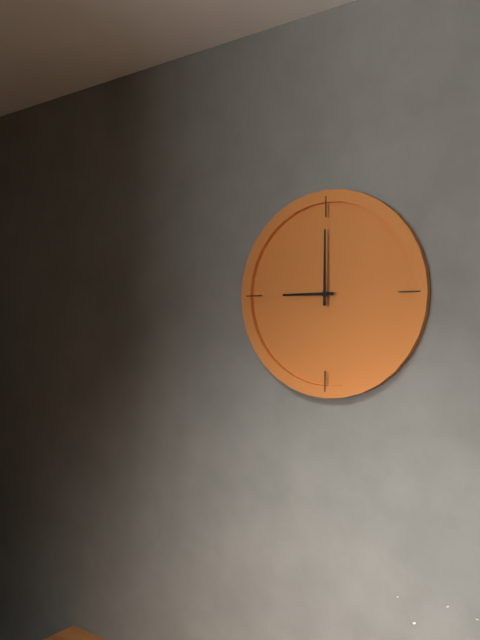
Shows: 9:00
